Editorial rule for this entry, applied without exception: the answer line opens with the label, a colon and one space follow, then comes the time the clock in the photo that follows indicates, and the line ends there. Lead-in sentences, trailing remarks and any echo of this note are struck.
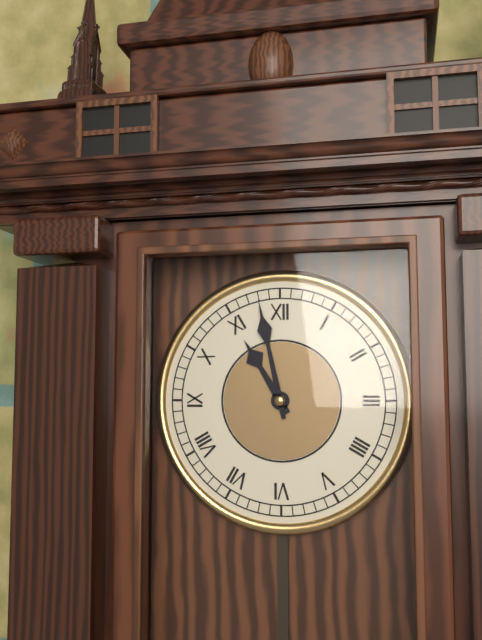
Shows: 10:58
